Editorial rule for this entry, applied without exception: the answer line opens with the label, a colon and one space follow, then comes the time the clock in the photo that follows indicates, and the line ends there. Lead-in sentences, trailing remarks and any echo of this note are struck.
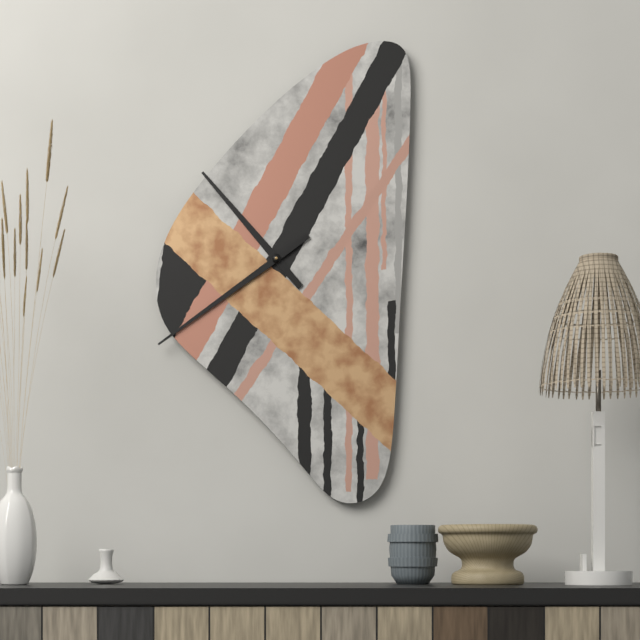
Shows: 10:39
